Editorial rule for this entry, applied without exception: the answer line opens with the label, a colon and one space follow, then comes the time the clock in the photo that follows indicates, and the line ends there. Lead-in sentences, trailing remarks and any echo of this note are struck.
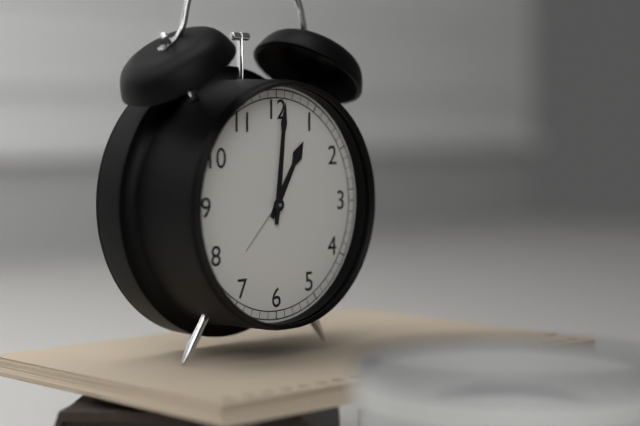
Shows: 1:01
